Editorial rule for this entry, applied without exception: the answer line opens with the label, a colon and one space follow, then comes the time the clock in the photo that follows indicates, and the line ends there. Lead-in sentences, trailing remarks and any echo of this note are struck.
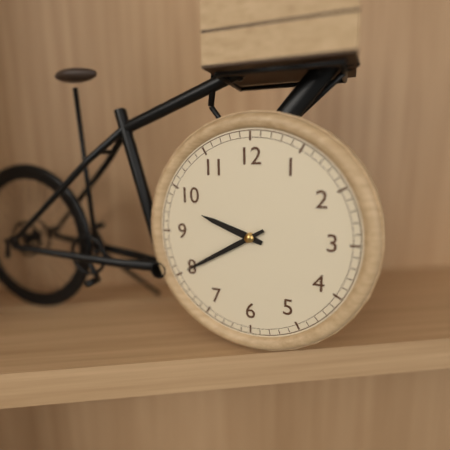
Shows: 9:40
